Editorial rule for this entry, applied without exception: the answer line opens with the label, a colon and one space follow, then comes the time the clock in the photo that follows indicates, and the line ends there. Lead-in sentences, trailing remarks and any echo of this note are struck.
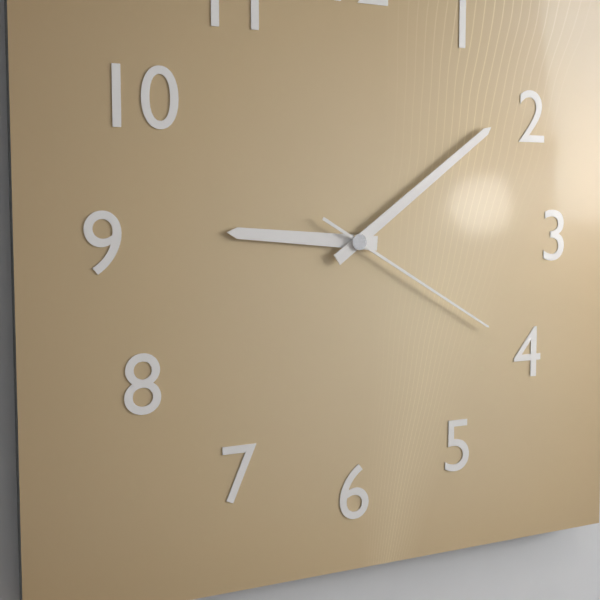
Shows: 9:09:20
